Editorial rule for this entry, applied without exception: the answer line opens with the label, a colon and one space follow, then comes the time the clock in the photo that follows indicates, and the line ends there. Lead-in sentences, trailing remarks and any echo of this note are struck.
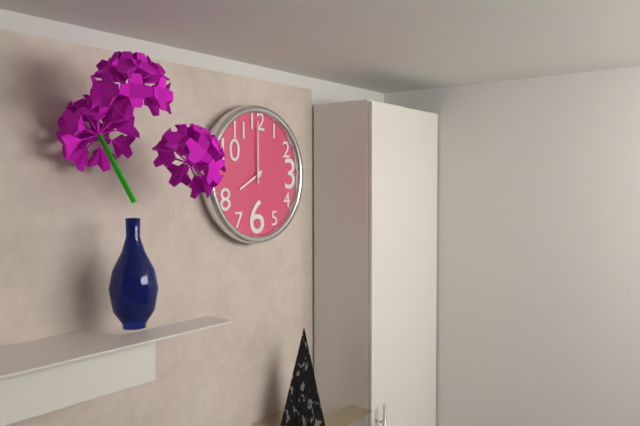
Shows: 8:00
